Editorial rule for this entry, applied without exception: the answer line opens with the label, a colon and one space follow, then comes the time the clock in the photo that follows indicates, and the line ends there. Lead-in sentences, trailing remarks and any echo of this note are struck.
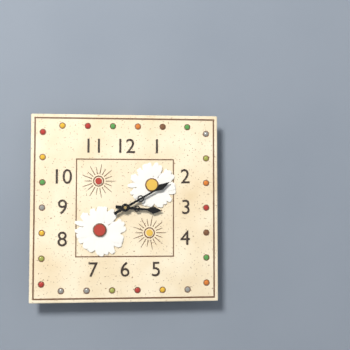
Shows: 3:10
